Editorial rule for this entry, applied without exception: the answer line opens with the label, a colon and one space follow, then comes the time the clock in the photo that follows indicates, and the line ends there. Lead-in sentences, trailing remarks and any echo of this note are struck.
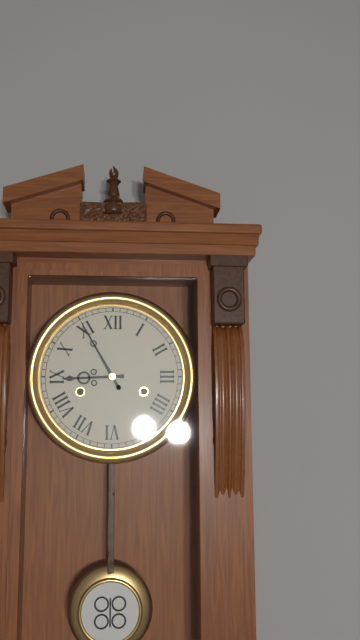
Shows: 8:55
